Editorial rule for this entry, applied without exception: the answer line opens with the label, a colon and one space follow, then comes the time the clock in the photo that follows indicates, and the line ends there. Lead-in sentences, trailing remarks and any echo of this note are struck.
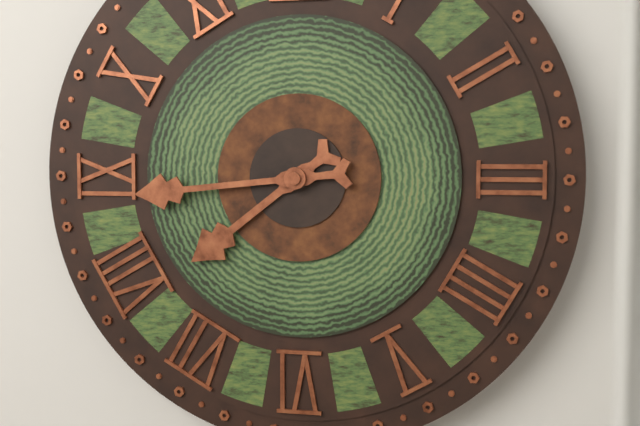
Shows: 7:44
